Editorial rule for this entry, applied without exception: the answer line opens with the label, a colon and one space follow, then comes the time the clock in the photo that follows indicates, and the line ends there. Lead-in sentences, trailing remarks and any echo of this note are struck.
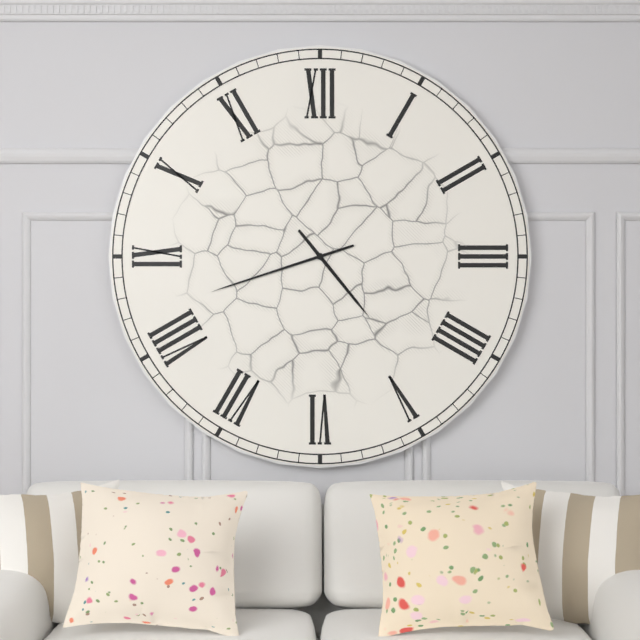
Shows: 4:42
